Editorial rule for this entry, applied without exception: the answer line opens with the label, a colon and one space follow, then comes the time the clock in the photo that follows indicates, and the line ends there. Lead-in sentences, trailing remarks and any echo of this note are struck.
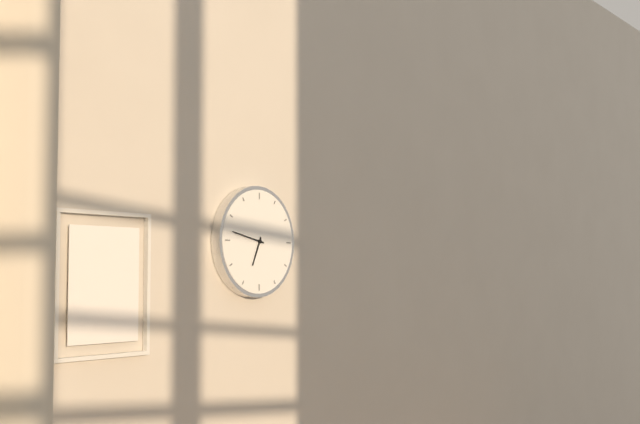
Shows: 6:47
